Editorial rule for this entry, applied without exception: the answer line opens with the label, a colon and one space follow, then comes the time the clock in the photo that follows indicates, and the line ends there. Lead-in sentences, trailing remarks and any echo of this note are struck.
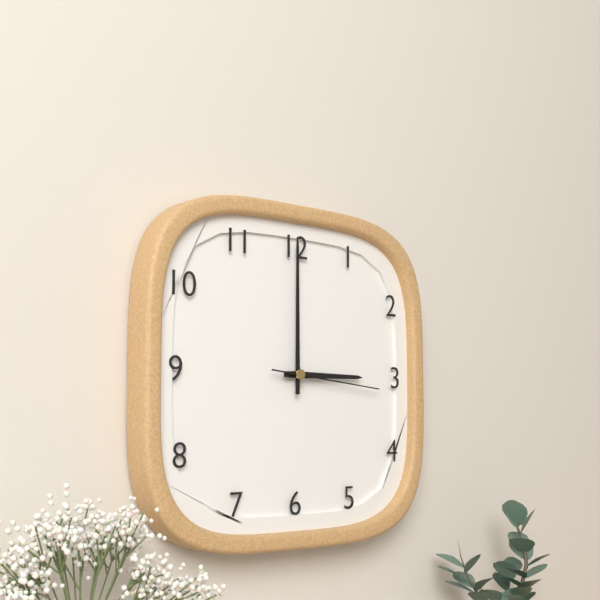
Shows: 3:00:16
